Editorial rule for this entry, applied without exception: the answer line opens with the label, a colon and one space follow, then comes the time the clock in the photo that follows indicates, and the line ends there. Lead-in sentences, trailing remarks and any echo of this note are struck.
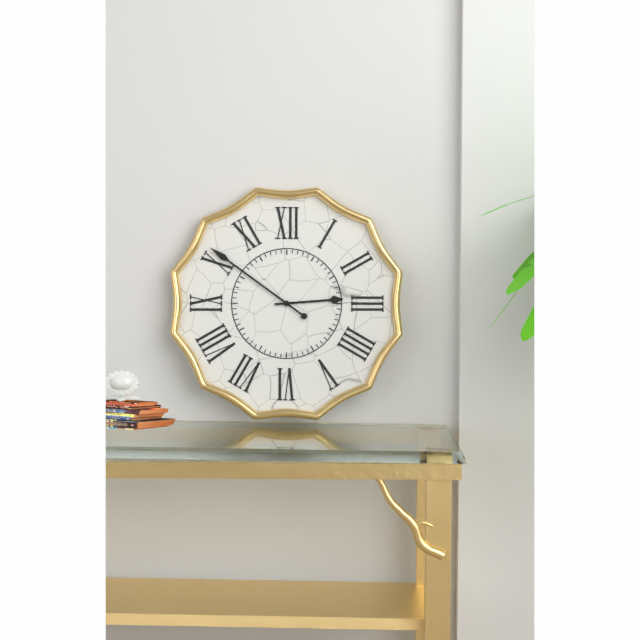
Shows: 2:51
